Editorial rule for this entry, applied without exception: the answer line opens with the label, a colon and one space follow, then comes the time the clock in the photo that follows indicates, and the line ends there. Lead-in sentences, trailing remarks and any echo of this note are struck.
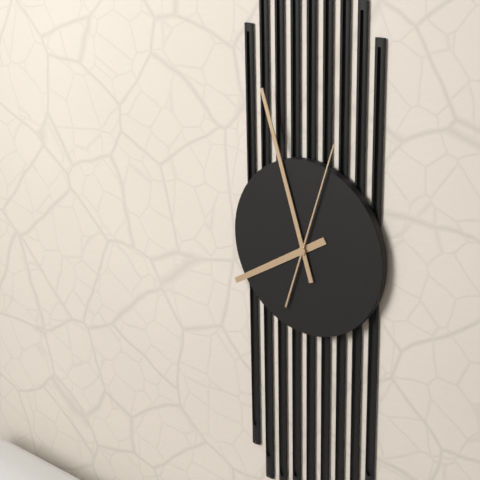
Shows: 7:57:03
